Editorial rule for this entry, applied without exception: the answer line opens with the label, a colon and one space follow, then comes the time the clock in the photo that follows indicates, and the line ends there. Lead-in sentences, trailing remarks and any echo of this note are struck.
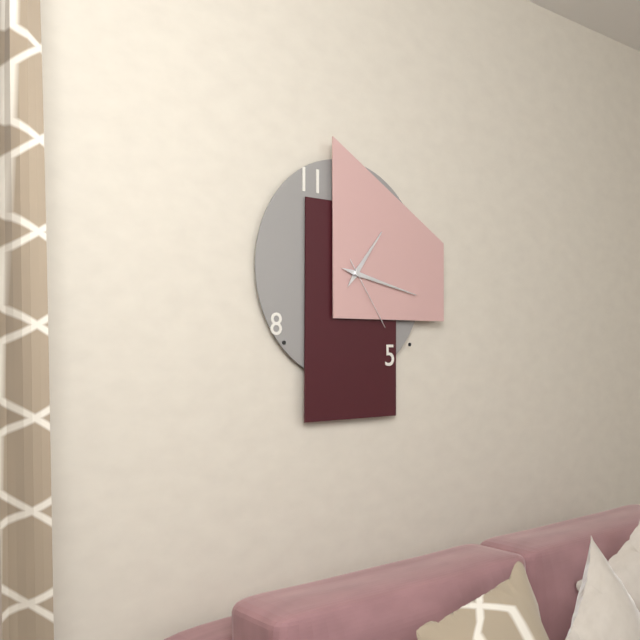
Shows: 1:17:24
